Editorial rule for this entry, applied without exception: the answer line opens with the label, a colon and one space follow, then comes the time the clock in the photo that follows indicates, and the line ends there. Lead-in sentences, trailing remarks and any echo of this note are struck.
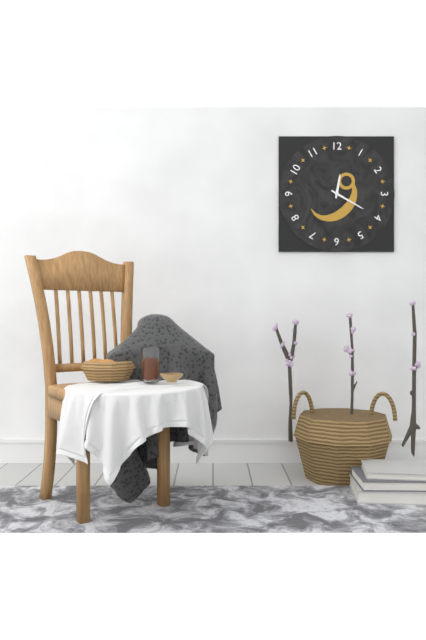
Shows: 12:20
